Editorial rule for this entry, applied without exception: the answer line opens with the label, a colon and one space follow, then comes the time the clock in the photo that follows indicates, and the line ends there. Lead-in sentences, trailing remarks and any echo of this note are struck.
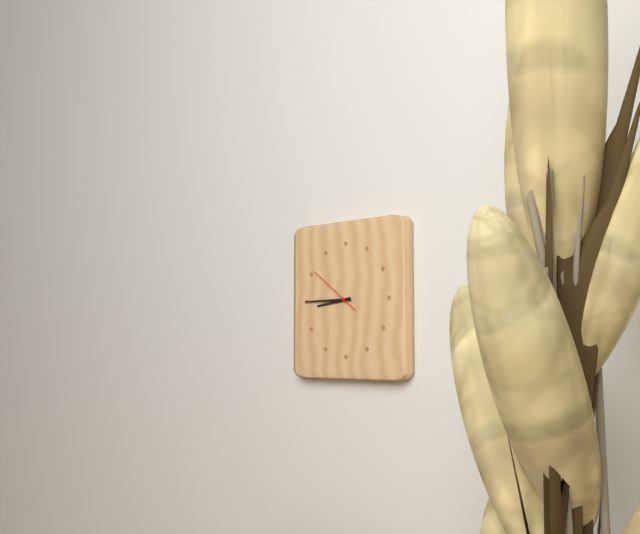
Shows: 8:45:51
